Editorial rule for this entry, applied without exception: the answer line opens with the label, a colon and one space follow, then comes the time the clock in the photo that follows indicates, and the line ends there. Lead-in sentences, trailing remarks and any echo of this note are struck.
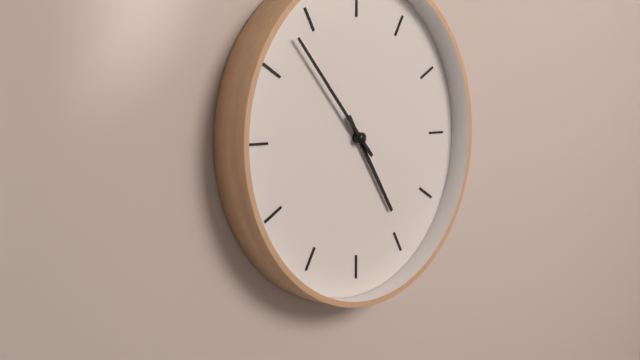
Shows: 4:53
